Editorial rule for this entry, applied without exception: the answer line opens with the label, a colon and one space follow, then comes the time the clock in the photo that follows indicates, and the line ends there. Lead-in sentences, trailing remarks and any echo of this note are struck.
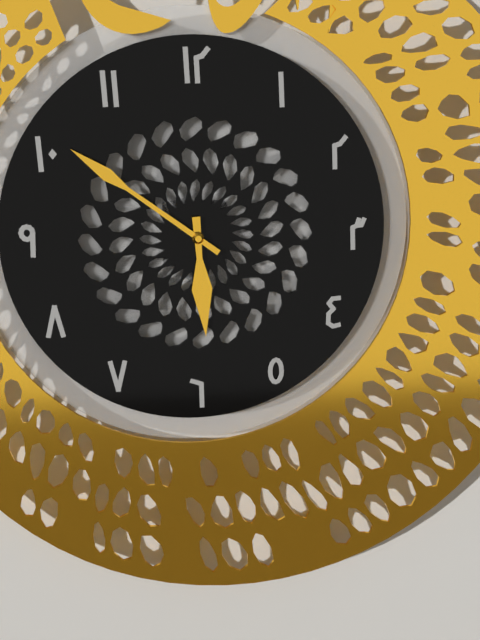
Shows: 5:51
